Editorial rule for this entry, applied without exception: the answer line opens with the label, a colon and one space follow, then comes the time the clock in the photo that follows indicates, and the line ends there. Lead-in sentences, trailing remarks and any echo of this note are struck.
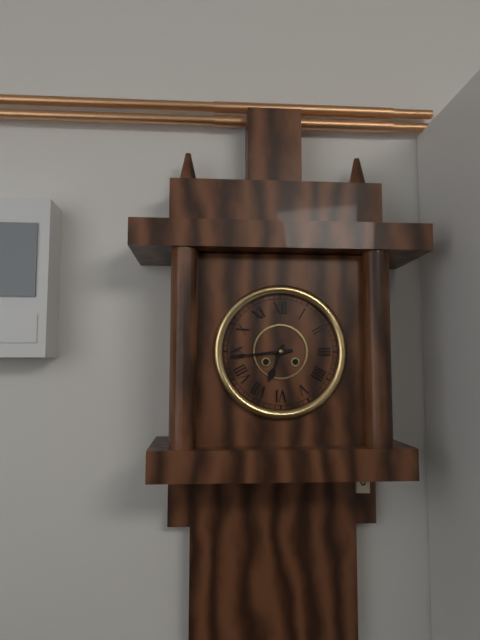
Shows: 6:44
